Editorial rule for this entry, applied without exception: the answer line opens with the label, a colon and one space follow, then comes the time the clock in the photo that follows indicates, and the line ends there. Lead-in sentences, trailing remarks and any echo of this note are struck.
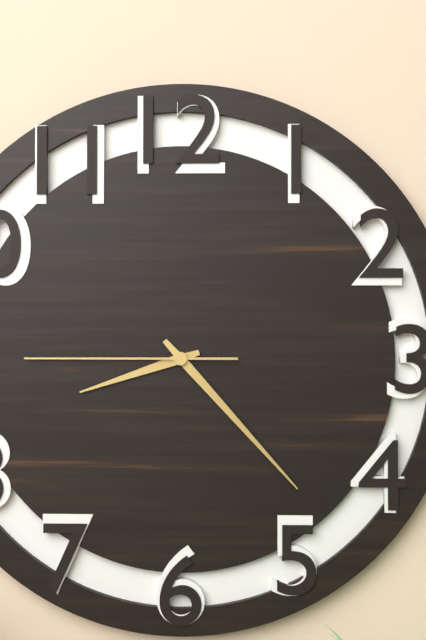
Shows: 8:23:45
